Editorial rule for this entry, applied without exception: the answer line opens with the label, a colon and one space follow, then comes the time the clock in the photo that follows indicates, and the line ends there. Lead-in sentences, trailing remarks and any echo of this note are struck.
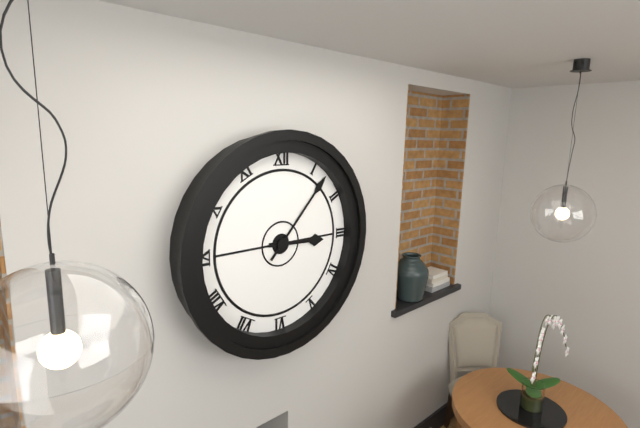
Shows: 3:07
